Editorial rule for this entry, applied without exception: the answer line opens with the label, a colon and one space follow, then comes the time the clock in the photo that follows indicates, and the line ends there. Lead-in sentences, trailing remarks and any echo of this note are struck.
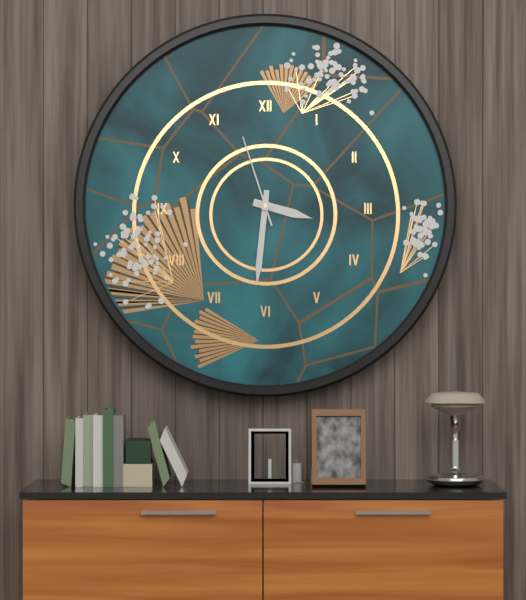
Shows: 3:31:57
